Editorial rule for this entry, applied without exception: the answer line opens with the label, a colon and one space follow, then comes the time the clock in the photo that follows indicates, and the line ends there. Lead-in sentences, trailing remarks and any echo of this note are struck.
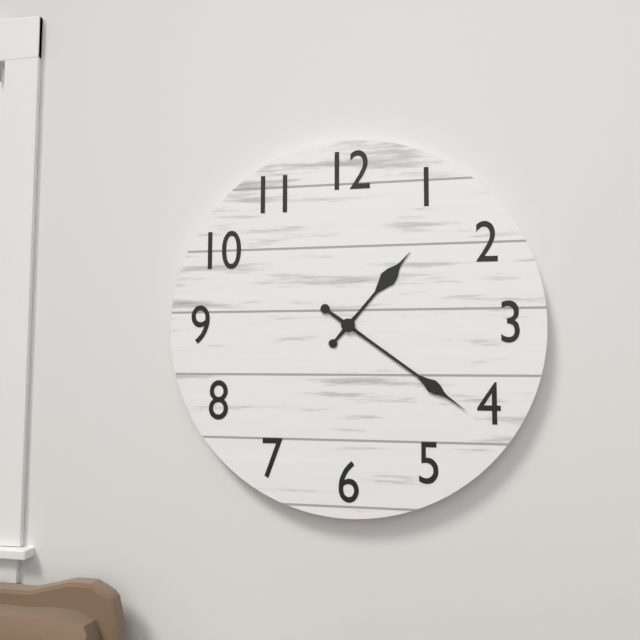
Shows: 1:21
